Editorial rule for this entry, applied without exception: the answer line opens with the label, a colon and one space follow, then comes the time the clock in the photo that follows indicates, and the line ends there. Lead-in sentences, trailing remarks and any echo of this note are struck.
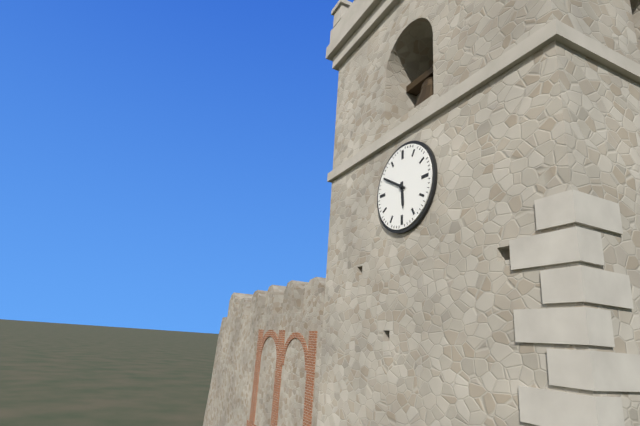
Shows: 5:50
